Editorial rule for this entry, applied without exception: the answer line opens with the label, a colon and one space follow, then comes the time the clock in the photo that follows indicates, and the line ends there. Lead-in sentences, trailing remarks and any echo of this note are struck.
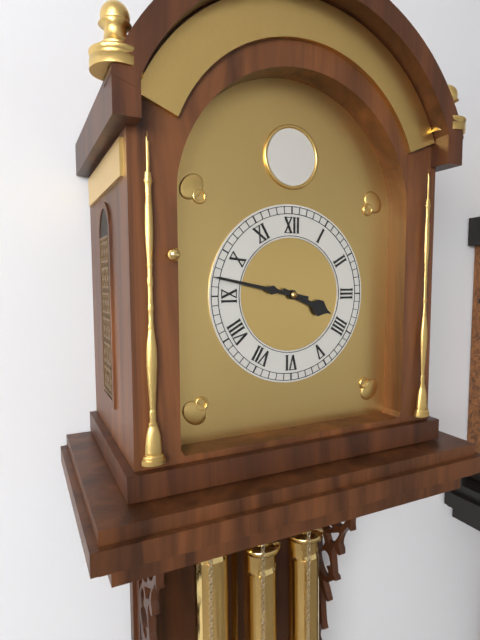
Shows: 3:47
